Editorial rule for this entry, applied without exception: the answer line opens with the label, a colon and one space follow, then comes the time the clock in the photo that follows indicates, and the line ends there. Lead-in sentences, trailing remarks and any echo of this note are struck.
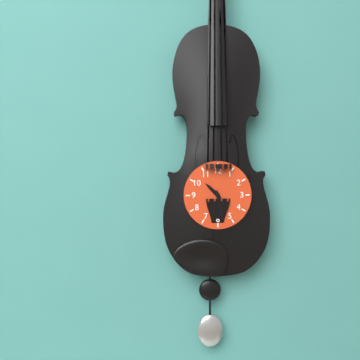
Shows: 10:28
